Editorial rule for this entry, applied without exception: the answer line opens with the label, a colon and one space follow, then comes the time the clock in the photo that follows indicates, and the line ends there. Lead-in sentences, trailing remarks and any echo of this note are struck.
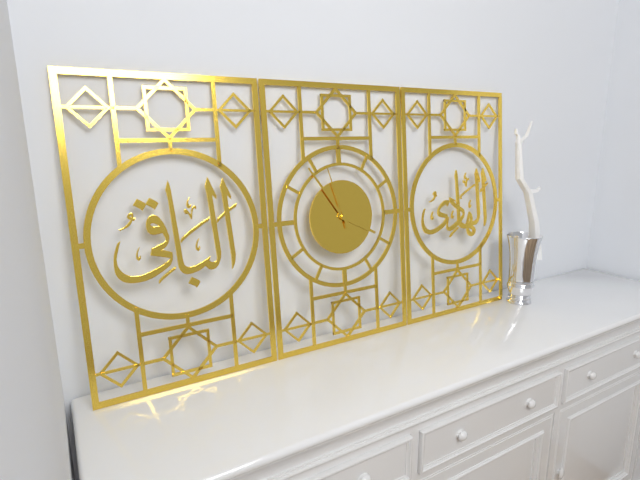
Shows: 3:54:57
